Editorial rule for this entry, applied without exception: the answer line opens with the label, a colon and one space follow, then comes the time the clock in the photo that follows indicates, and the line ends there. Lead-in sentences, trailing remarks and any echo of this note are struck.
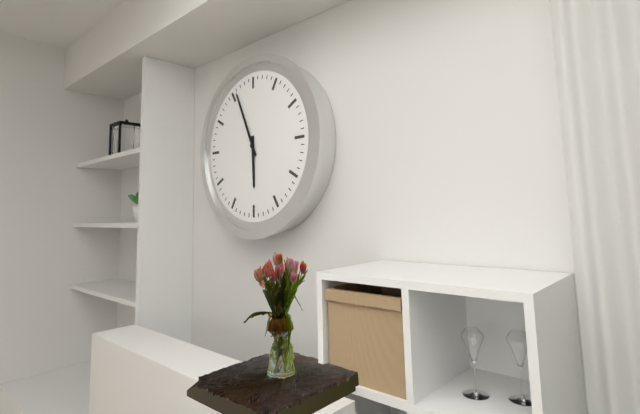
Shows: 5:56
